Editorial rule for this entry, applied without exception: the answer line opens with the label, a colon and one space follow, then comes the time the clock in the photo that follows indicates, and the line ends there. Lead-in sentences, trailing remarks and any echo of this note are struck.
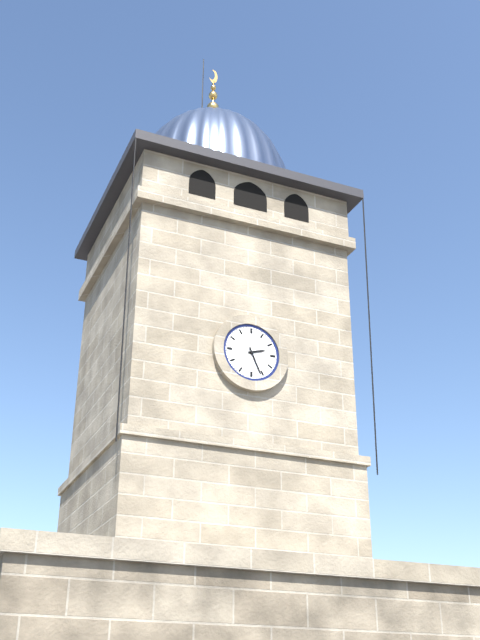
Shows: 2:26
